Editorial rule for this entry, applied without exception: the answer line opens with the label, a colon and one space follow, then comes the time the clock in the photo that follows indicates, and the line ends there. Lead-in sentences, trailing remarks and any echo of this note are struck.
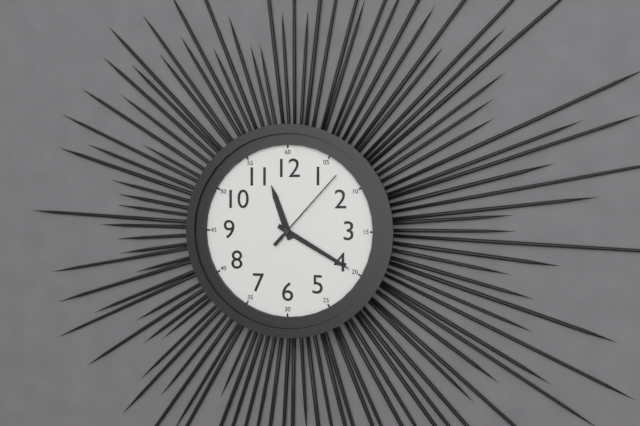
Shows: 11:20:07
